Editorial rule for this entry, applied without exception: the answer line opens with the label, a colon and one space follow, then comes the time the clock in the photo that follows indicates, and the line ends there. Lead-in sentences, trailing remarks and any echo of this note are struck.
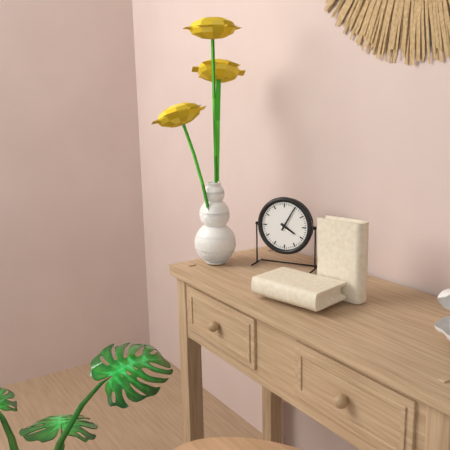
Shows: 4:05
